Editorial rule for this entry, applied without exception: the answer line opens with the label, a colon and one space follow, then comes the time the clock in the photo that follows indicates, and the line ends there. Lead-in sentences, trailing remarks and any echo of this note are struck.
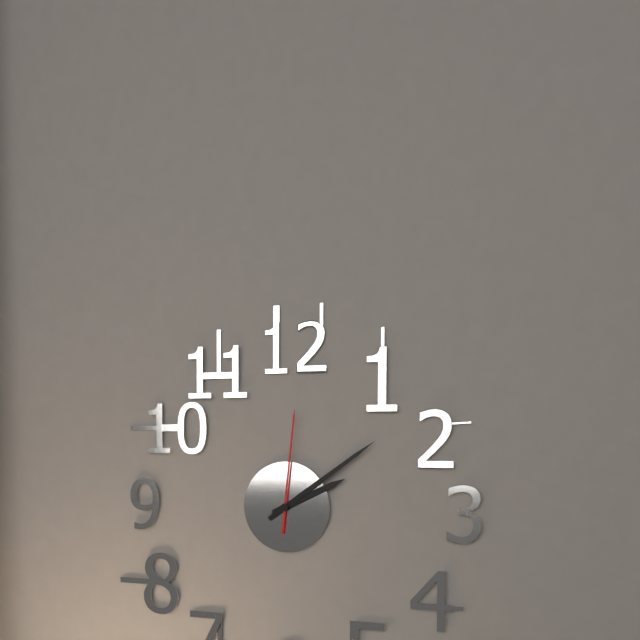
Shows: 2:09:01
